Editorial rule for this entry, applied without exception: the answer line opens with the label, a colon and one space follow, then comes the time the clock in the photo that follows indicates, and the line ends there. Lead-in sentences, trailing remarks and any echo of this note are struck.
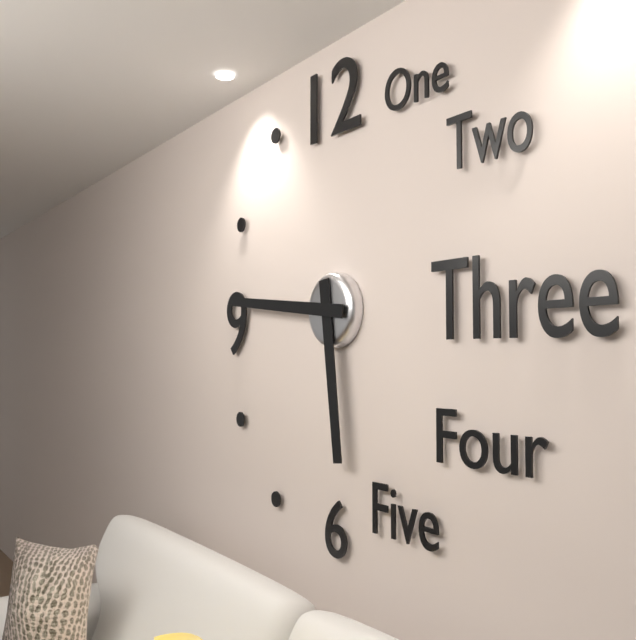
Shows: 5:46
